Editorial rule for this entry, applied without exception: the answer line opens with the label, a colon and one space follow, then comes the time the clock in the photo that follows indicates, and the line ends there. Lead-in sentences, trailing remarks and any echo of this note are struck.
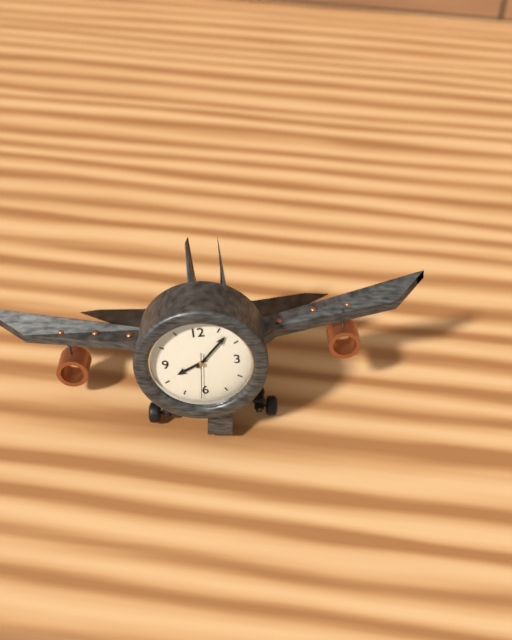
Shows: 8:07:31
